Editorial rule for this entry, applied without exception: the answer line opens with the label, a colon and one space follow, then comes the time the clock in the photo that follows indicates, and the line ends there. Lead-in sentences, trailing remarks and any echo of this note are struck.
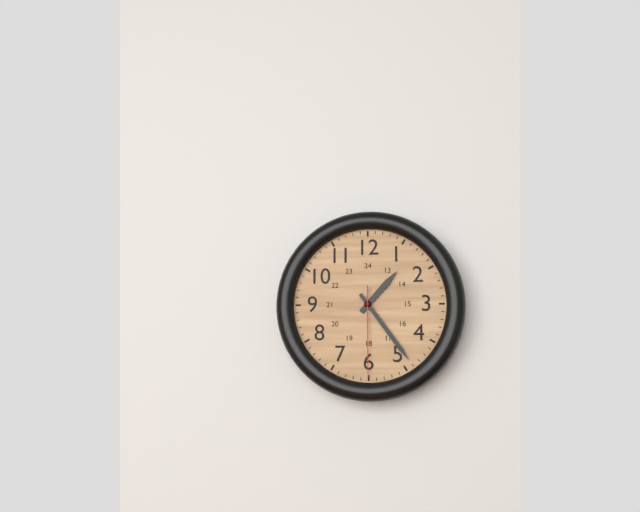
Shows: 1:24:30
